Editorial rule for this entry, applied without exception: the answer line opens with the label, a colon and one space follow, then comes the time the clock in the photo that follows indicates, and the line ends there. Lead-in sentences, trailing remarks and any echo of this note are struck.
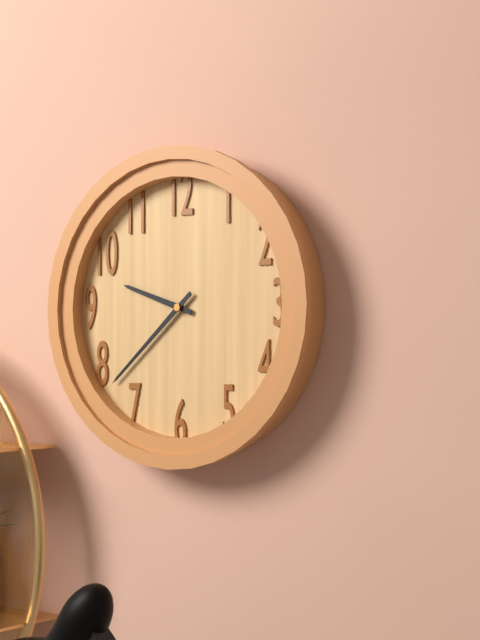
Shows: 9:38
